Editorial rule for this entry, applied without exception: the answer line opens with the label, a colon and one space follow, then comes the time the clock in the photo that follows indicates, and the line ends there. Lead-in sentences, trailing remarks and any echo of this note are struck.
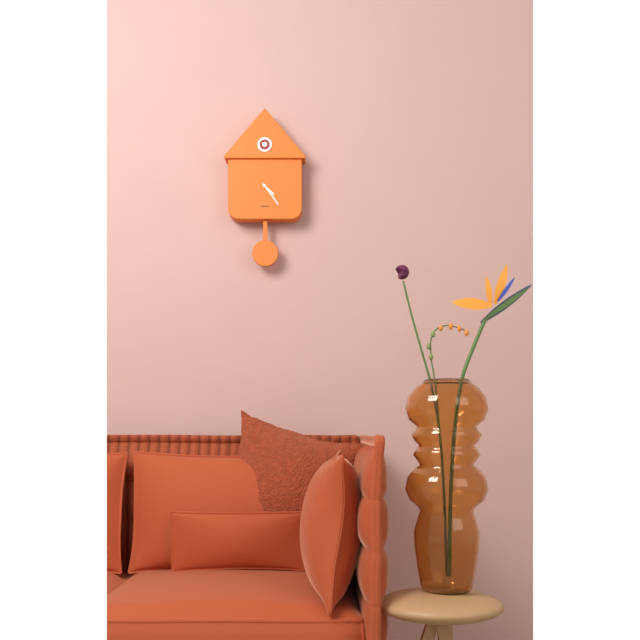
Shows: 4:24
